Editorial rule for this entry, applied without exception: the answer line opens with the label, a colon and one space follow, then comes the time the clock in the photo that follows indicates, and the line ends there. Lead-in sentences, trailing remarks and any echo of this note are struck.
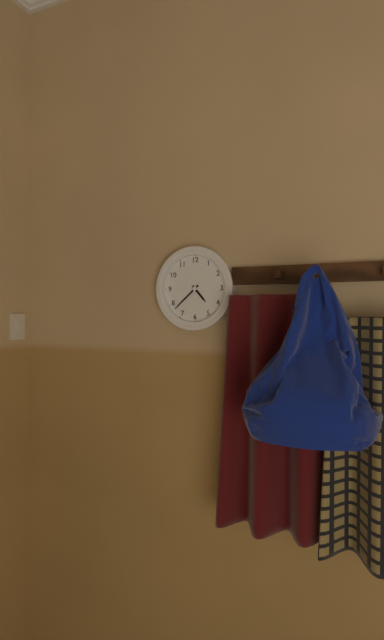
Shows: 4:38
